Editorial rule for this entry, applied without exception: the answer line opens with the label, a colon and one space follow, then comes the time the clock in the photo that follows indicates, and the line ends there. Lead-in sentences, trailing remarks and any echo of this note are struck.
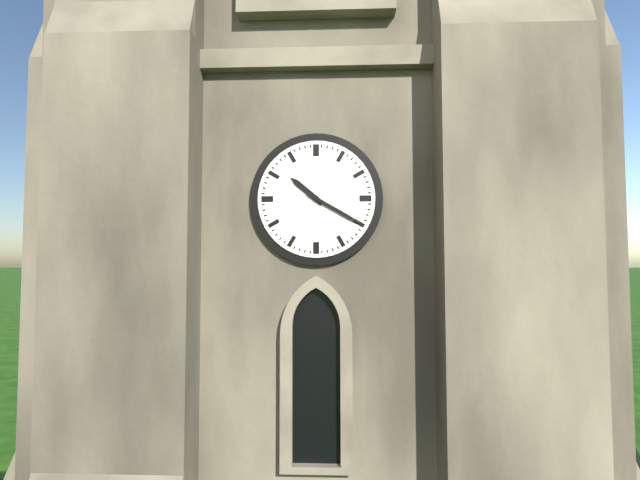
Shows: 10:20
